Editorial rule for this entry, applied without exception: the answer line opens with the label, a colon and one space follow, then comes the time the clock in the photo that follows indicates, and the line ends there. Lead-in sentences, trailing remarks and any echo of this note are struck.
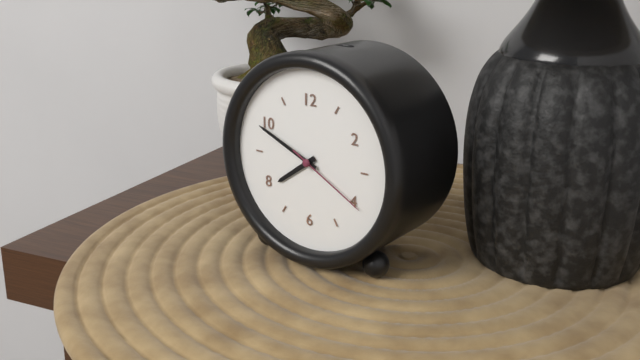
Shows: 7:49:20
